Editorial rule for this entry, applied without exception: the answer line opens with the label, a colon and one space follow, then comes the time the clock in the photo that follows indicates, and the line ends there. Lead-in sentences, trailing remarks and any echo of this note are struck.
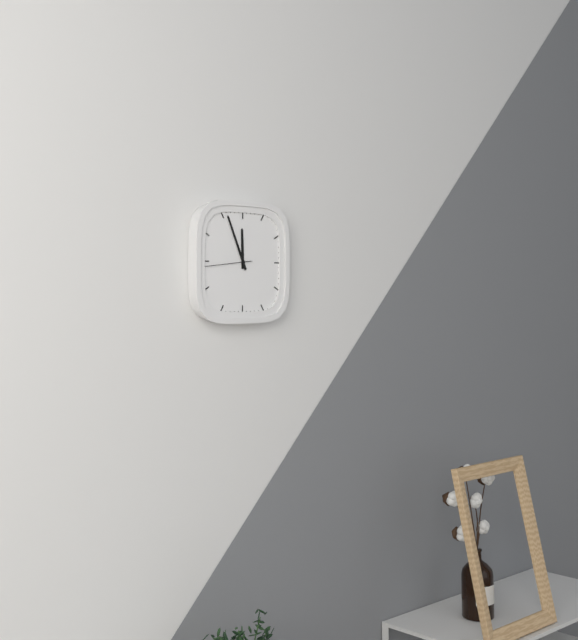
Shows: 11:56:44
